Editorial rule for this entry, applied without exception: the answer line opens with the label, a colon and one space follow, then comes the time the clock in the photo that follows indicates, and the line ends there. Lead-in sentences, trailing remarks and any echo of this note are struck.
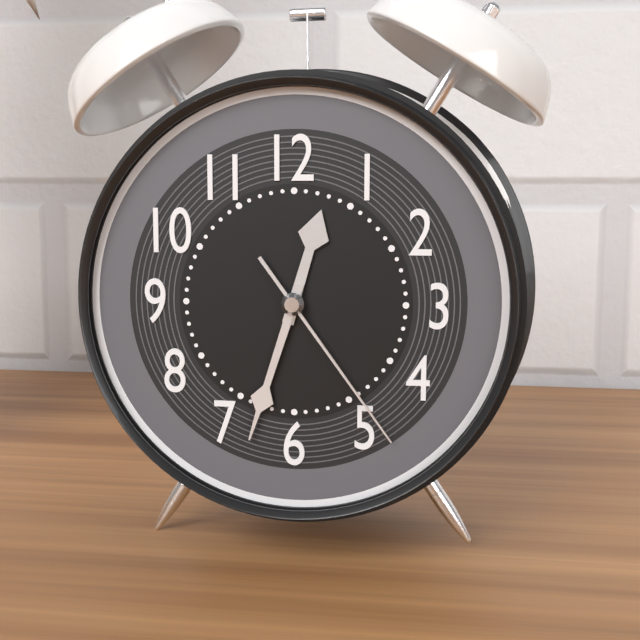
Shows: 12:33:24
